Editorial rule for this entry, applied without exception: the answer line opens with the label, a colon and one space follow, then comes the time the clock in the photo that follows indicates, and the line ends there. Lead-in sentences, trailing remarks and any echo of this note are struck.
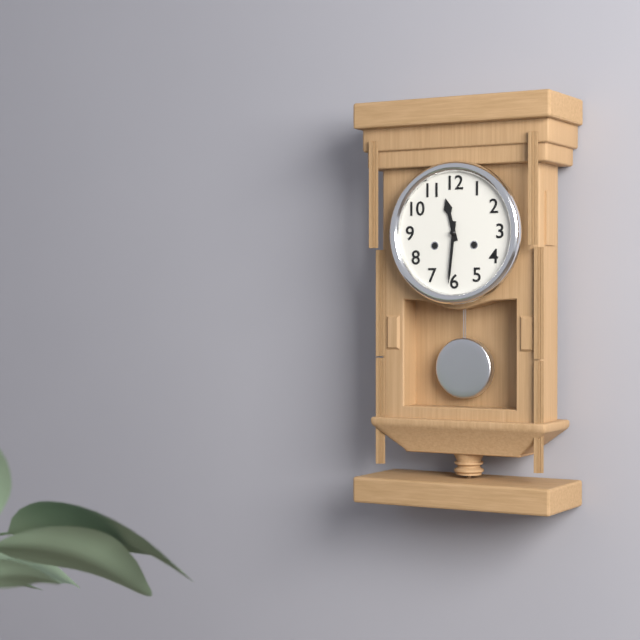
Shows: 11:31
